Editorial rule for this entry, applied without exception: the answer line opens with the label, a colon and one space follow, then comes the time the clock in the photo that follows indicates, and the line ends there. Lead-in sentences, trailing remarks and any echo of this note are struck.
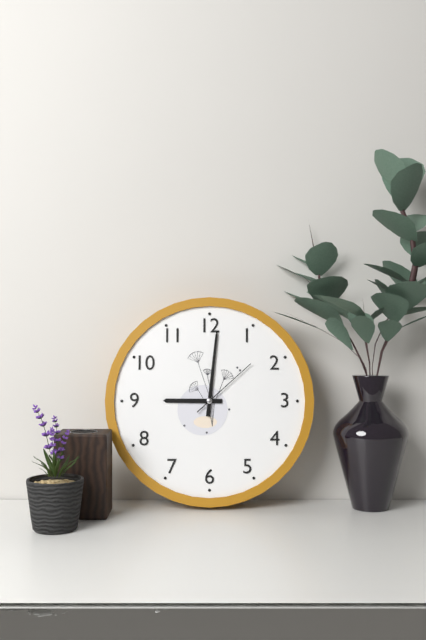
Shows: 9:01:08
